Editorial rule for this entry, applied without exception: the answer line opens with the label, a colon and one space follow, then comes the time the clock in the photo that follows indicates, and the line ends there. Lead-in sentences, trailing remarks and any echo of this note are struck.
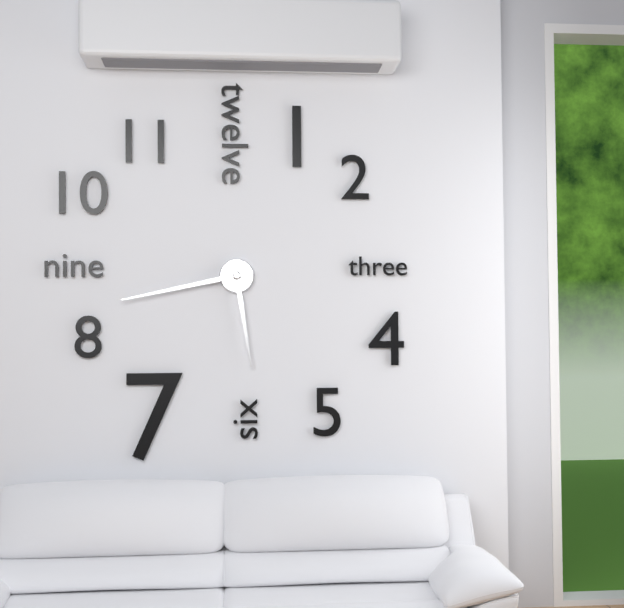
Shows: 5:43
